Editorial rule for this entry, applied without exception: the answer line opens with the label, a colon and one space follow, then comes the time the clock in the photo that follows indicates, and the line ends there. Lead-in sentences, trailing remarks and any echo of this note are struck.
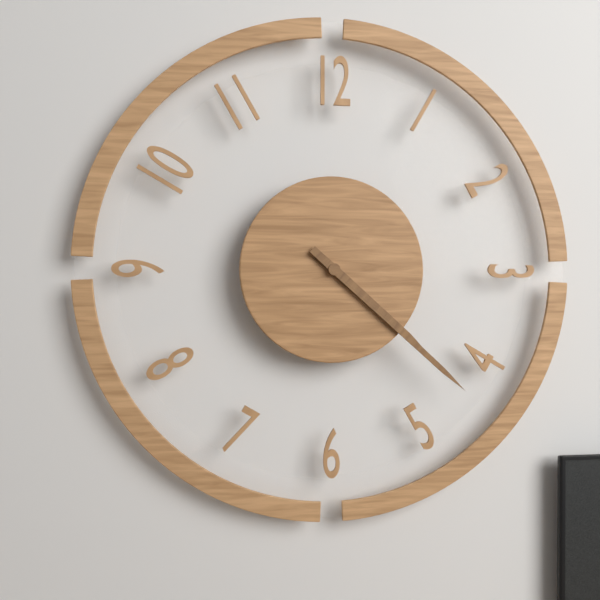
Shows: 4:22
